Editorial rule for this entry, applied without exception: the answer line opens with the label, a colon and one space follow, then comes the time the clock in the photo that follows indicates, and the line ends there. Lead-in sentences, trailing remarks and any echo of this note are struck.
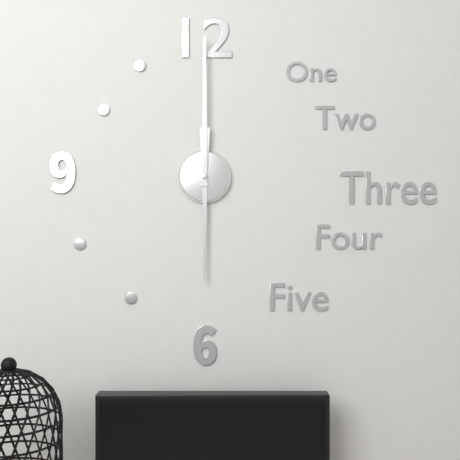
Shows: 6:00
